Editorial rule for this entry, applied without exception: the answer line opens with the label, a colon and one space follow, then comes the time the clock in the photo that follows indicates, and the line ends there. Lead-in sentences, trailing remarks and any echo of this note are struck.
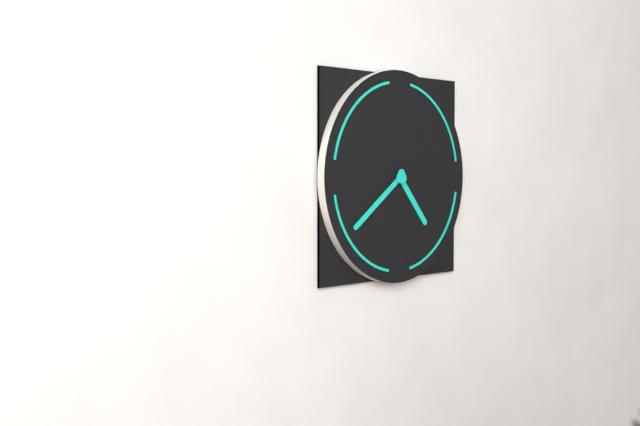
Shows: 4:39
